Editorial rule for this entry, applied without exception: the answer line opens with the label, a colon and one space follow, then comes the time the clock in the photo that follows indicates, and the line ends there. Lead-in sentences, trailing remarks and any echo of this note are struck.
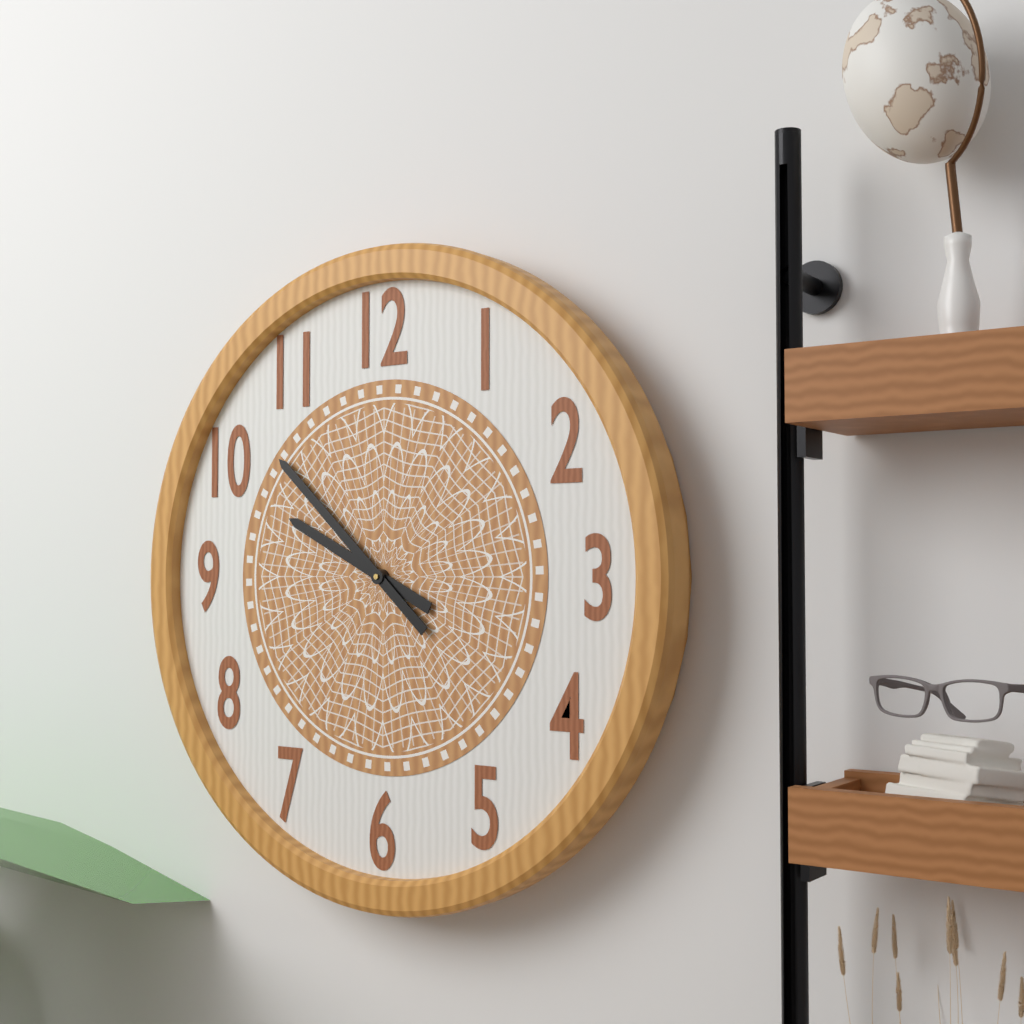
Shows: 9:52
